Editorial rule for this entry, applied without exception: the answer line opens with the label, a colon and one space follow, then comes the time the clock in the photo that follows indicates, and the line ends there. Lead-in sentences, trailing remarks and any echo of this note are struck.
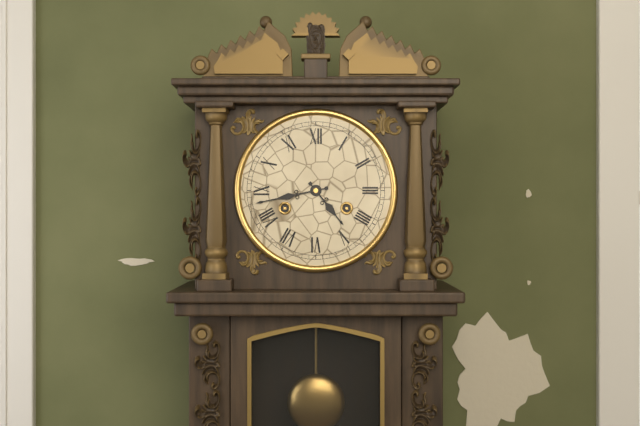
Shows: 4:43
